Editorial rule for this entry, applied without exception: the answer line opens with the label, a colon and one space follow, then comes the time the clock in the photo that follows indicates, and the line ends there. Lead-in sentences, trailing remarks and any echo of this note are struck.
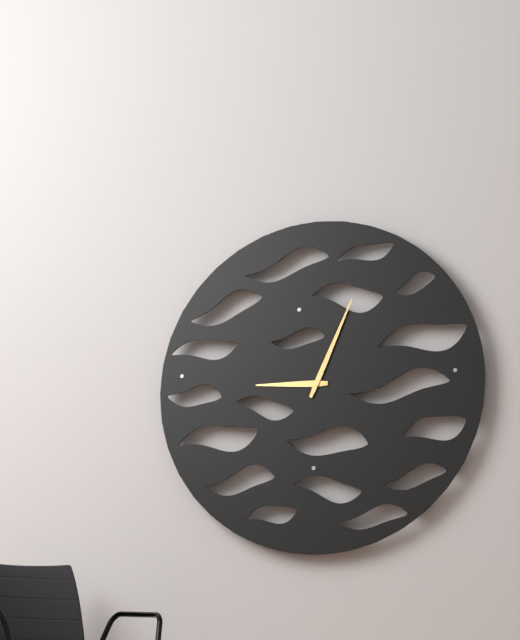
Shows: 9:04
